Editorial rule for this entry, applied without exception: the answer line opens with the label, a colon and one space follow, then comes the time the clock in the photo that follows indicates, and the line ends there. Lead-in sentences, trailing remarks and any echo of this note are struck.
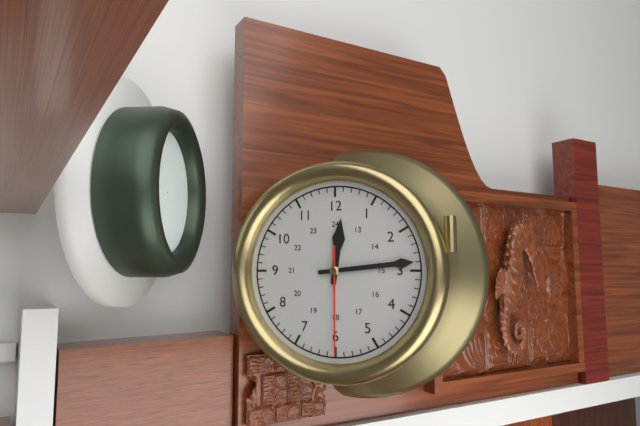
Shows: 12:14:30
